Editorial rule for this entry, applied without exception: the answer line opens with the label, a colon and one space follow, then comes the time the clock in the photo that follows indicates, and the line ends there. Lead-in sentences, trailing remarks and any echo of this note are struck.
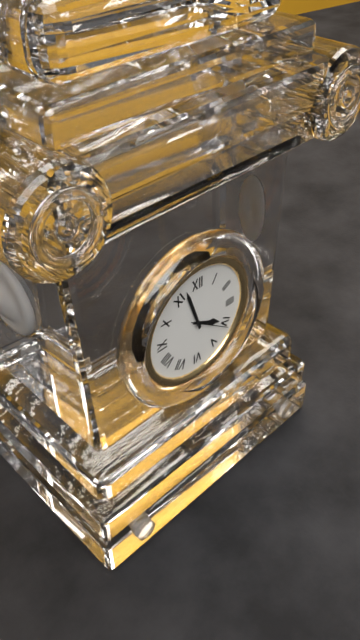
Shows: 3:57
